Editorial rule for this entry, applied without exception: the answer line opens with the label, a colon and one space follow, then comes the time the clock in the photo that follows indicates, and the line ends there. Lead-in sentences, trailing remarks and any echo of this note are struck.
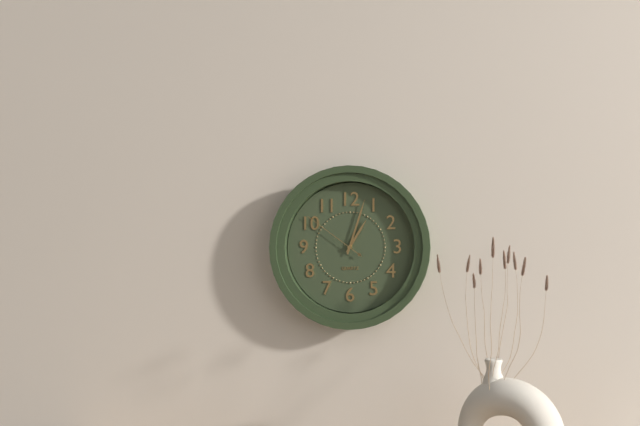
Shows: 1:03:51
